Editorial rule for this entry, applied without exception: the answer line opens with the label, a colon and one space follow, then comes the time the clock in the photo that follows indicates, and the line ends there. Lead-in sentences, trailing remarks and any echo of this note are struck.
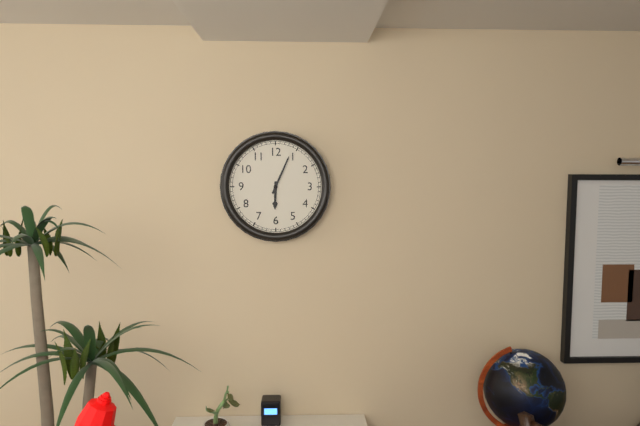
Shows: 6:04
